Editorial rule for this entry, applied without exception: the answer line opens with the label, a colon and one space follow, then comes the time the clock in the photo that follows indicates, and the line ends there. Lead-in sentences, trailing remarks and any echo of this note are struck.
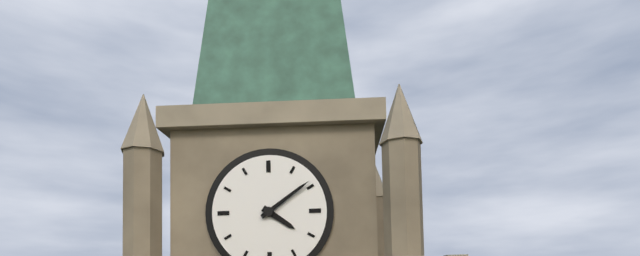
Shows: 4:09
